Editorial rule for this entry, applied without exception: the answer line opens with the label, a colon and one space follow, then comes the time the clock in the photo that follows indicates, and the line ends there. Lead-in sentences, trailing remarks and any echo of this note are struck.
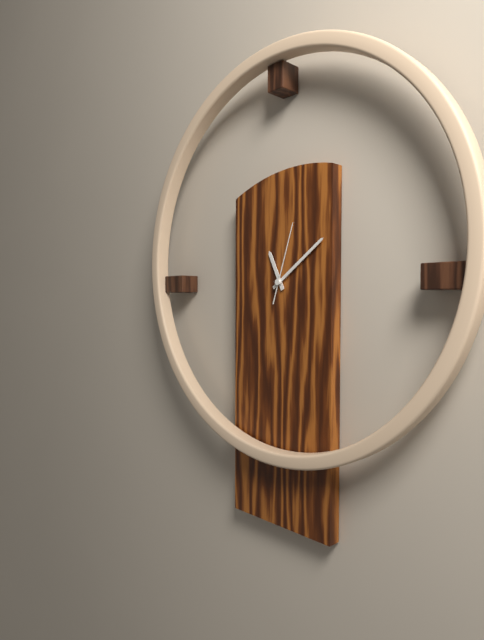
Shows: 11:09:03
